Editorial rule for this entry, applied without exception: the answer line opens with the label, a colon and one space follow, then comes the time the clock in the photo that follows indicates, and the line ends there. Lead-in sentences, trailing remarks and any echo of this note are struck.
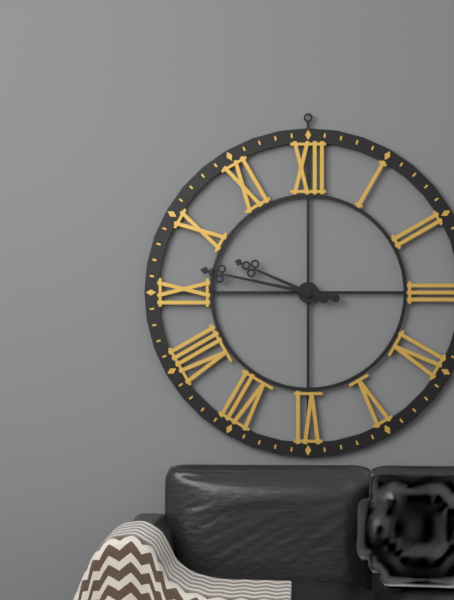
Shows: 9:47
